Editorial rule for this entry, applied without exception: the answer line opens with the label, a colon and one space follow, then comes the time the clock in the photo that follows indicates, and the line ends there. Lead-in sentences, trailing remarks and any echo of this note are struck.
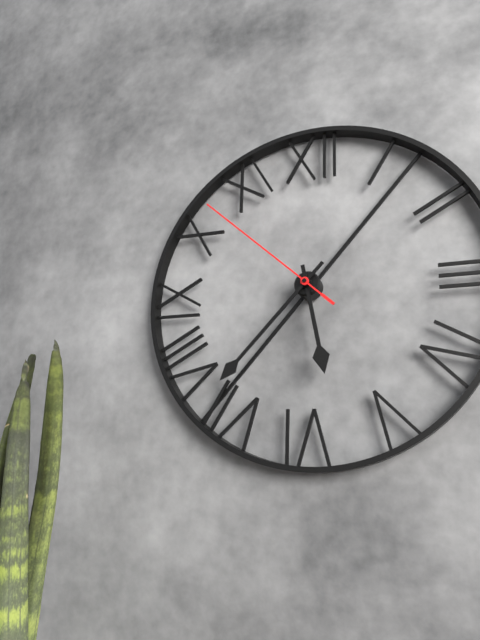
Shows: 5:37:52
